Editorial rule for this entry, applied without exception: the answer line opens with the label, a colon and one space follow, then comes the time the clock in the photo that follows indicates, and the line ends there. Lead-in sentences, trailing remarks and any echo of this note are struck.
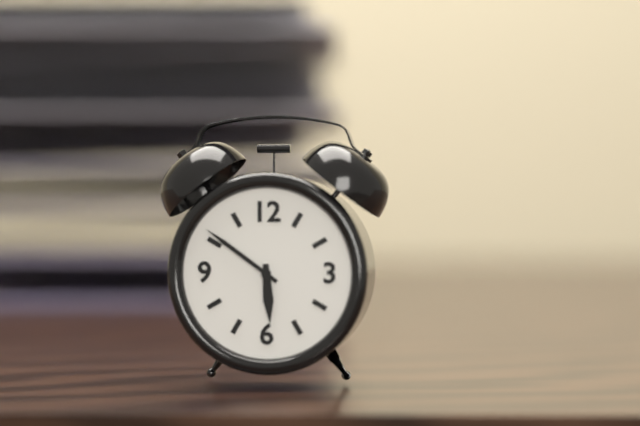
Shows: 5:51
